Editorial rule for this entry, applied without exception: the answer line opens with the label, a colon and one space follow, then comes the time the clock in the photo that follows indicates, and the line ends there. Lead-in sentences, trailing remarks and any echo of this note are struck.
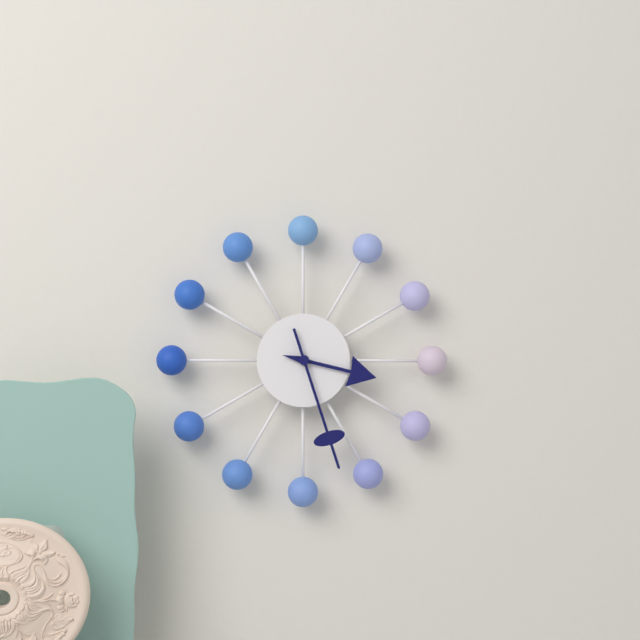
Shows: 3:27
